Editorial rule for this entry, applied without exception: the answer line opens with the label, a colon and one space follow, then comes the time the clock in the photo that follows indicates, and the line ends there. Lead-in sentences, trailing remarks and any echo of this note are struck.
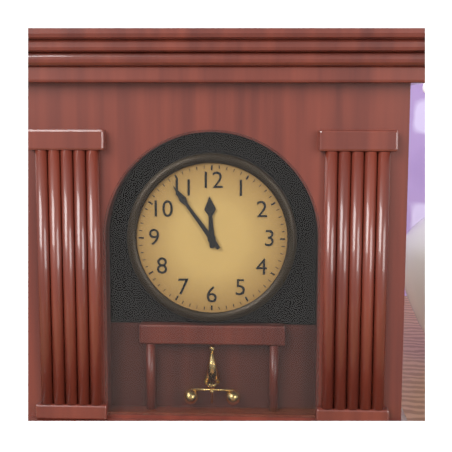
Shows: 11:54
